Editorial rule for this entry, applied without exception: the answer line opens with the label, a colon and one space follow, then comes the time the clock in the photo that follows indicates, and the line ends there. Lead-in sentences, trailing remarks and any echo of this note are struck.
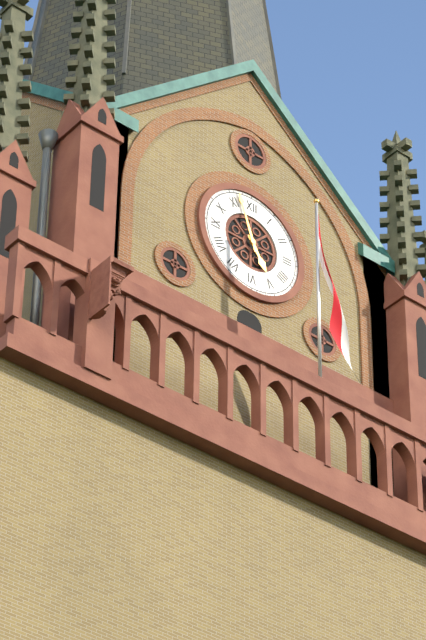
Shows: 4:57
